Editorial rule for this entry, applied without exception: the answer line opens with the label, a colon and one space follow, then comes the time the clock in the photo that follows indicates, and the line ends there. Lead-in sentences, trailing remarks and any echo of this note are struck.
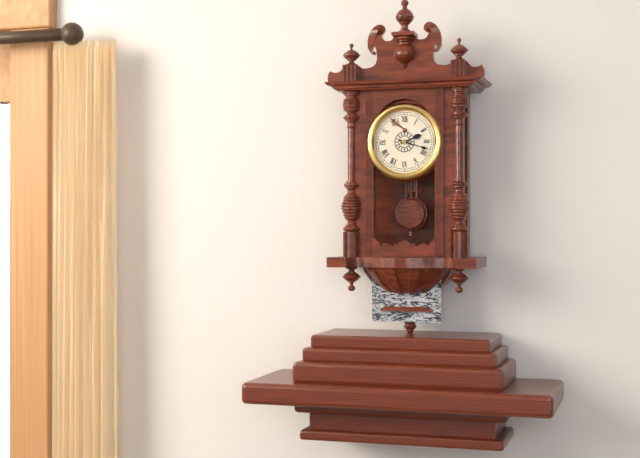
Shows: 2:18
